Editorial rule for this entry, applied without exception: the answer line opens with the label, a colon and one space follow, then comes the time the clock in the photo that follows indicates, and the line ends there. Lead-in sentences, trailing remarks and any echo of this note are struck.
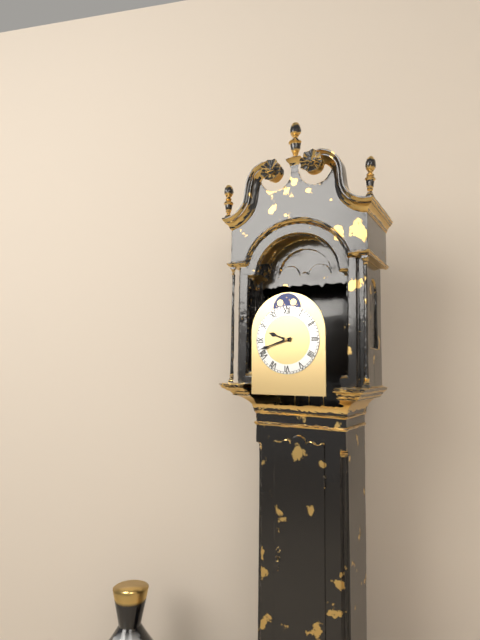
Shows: 9:42
